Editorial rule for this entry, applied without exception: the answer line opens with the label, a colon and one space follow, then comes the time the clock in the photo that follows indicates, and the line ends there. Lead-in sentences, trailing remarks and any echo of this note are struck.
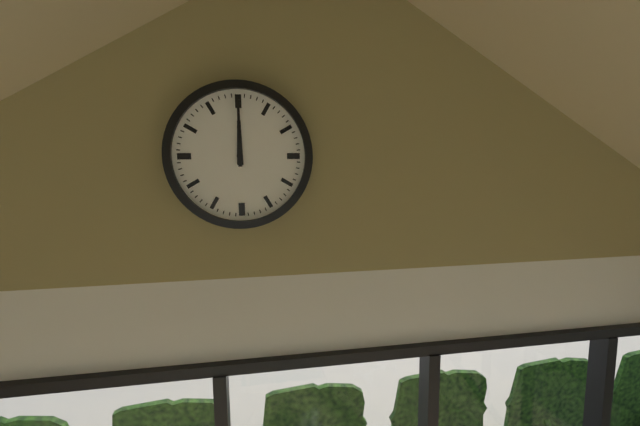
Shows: 12:00
